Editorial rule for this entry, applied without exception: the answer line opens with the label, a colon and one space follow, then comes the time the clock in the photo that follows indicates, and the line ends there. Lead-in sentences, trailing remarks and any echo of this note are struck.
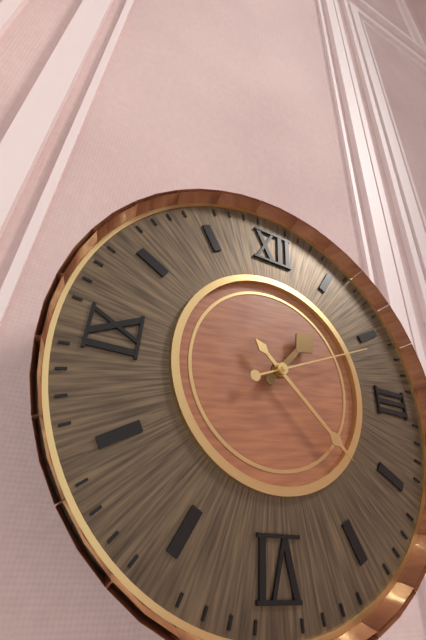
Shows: 1:22:11
